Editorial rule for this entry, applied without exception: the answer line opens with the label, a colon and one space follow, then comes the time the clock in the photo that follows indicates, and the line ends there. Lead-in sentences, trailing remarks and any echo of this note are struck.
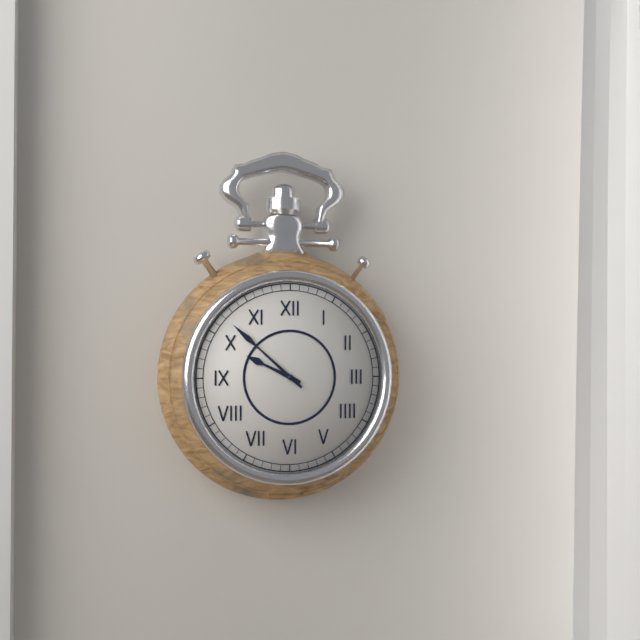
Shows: 9:52
